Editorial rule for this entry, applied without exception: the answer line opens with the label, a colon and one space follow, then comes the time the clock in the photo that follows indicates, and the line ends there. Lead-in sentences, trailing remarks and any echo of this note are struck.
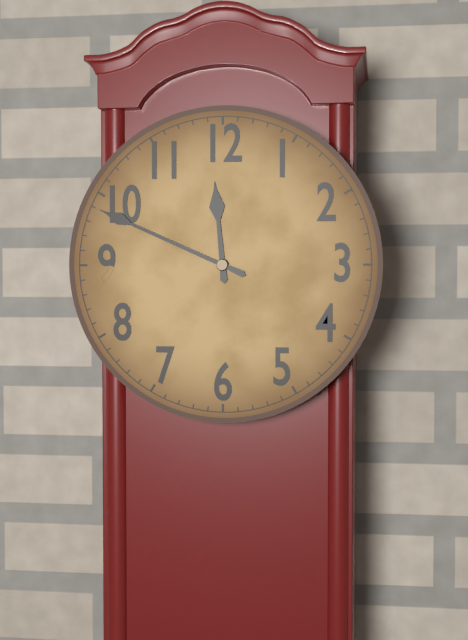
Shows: 11:49
